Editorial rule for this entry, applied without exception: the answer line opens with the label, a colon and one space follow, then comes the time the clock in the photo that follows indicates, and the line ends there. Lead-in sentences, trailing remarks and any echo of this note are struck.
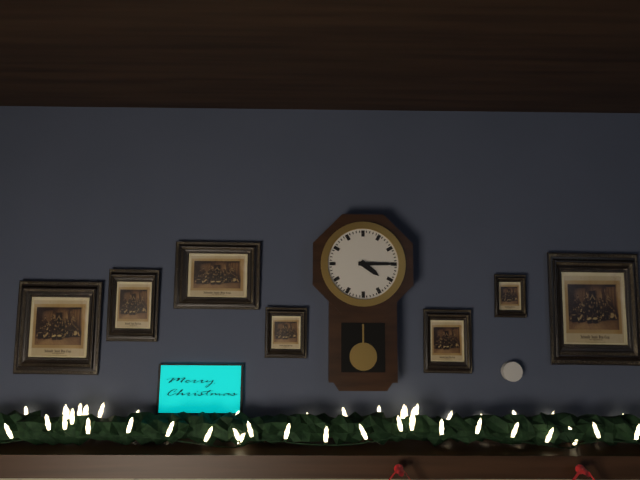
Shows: 4:15
